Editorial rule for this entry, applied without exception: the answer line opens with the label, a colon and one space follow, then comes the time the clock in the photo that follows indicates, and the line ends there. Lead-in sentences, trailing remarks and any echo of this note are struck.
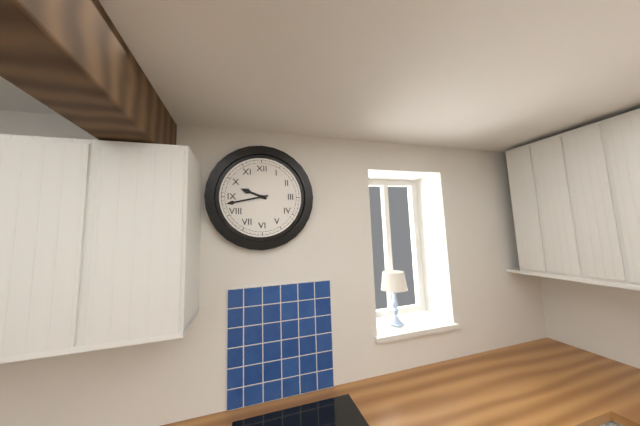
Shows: 9:43
